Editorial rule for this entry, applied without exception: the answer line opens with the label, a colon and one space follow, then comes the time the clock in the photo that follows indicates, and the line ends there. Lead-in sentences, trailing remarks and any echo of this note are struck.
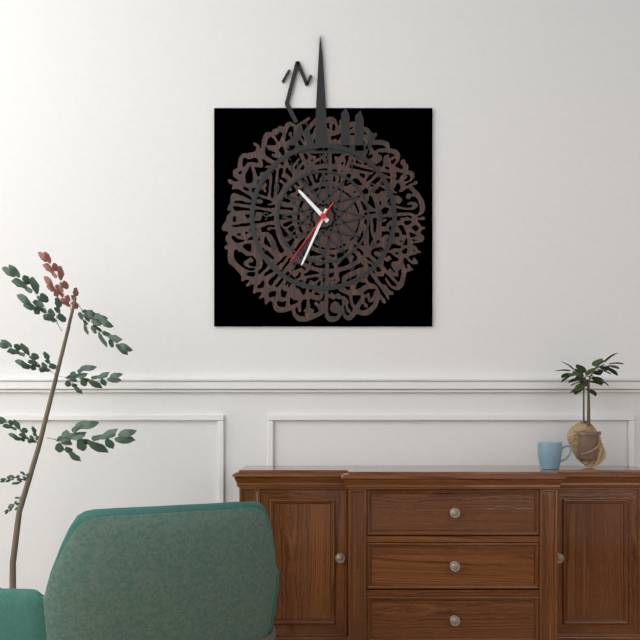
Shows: 10:34:36
